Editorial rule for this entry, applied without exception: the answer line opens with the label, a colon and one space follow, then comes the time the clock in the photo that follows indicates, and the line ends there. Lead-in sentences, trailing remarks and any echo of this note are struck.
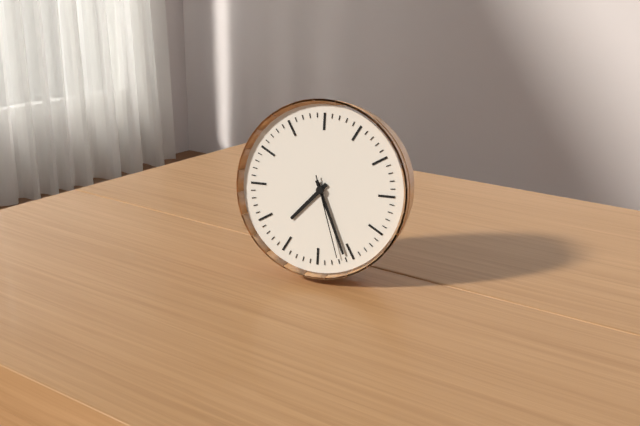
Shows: 7:26:27
